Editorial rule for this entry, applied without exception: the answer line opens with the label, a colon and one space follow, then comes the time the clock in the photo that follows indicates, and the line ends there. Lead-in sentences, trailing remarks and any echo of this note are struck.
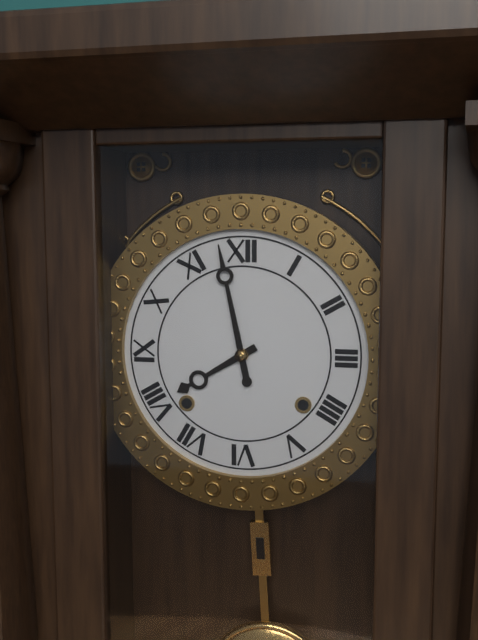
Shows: 7:58
